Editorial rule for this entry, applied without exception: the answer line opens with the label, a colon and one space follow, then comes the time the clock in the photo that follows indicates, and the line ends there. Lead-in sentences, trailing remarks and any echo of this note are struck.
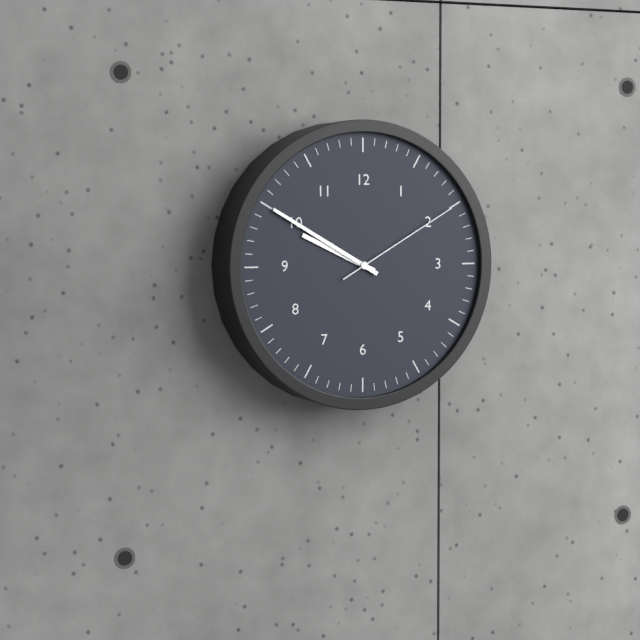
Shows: 9:50:10
